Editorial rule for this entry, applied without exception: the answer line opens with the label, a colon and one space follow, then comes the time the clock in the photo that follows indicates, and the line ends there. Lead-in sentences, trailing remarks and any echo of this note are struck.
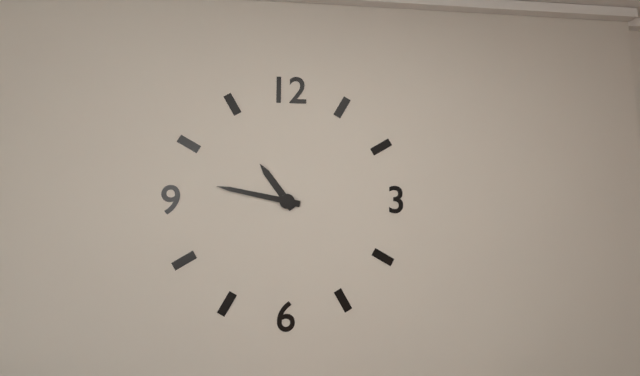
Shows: 10:47
